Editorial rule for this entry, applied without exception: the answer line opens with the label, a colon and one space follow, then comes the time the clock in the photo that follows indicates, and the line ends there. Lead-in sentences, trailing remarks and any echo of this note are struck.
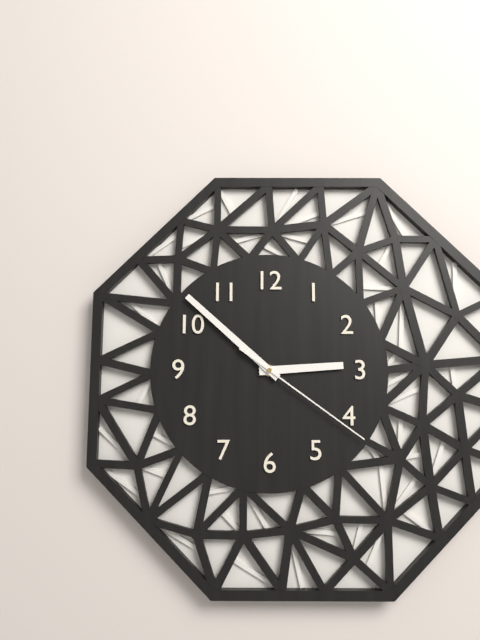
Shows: 2:52:21
